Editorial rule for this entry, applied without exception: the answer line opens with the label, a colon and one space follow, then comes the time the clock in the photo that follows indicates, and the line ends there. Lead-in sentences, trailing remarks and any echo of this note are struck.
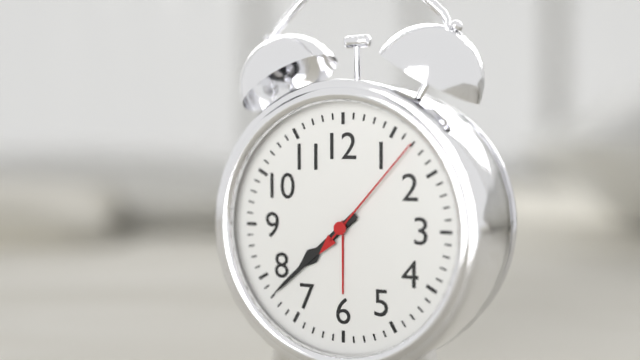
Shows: 7:38:07
